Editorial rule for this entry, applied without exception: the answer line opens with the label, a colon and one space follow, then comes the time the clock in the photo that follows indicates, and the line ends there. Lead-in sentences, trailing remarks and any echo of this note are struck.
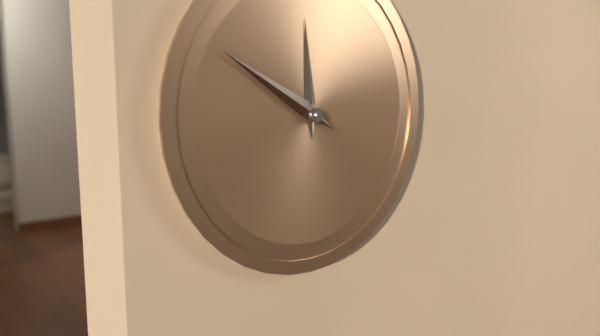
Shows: 11:50
